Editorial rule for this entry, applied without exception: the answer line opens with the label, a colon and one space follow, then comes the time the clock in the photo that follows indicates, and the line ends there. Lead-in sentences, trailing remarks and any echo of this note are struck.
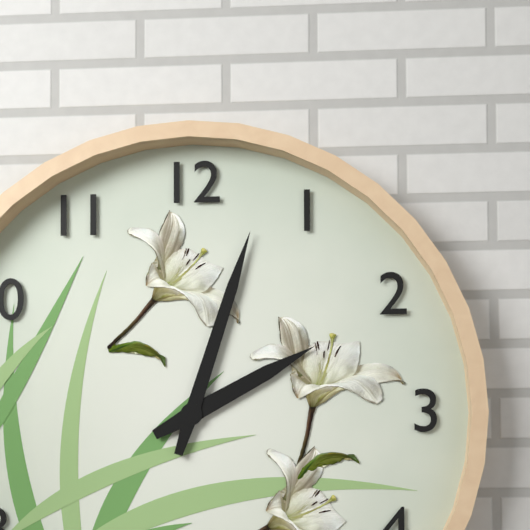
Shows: 2:03
